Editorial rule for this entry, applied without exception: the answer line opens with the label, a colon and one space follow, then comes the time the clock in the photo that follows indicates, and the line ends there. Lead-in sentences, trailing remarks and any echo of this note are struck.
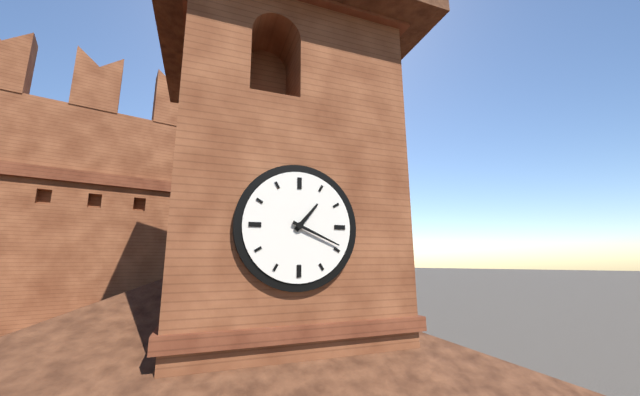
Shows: 1:19
